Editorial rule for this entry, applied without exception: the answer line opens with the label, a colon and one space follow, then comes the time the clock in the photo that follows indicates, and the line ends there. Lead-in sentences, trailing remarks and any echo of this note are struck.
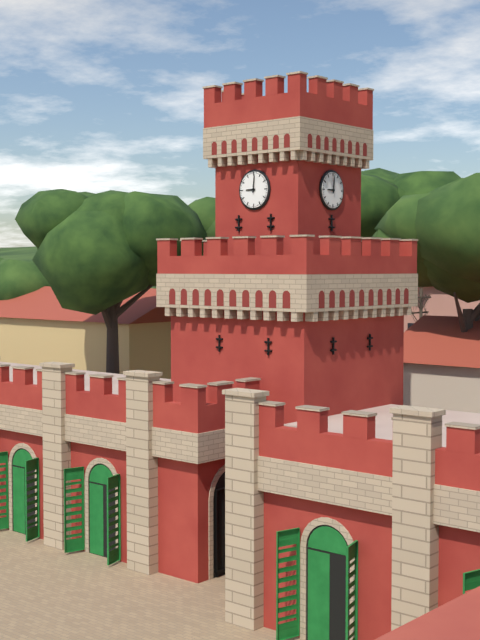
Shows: 9:01
